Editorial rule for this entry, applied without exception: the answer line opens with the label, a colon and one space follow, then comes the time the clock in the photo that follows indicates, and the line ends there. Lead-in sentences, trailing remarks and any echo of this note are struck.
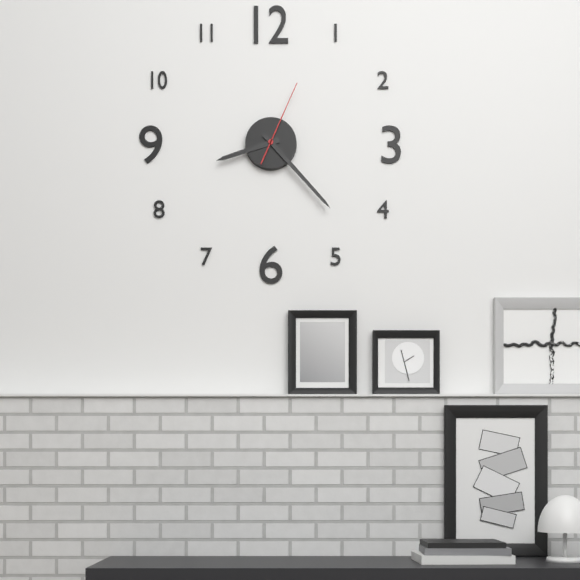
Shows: 8:23:04
